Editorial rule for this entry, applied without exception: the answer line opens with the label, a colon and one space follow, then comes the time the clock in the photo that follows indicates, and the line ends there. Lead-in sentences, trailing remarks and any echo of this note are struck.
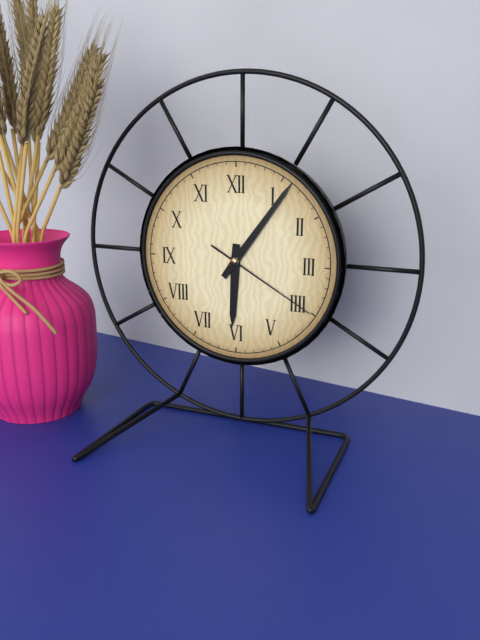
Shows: 6:06:20
